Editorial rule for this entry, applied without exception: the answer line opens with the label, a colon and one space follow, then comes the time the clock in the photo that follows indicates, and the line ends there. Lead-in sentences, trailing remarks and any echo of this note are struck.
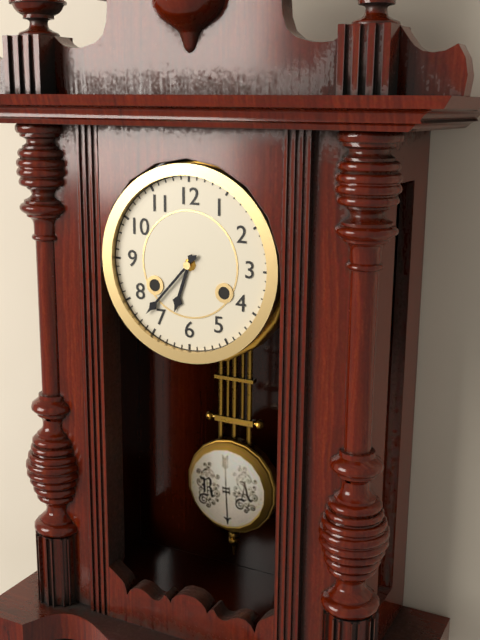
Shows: 6:37
